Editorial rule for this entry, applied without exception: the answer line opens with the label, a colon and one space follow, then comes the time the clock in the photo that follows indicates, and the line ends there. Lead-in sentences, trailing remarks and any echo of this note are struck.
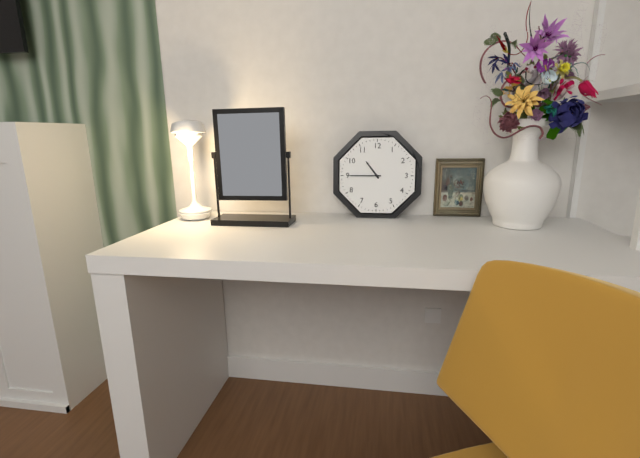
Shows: 10:45
